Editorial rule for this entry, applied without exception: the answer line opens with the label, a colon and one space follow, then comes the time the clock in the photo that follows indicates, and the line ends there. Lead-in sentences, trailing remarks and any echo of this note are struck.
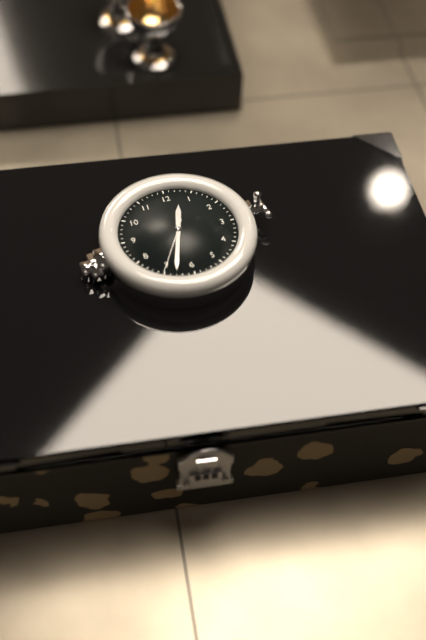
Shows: 12:33
